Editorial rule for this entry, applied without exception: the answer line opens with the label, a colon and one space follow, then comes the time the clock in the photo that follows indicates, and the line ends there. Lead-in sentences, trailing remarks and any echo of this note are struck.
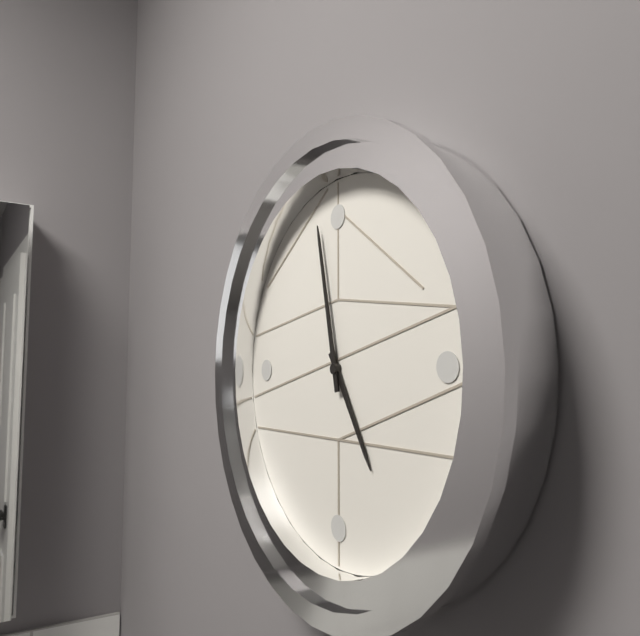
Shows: 4:58
